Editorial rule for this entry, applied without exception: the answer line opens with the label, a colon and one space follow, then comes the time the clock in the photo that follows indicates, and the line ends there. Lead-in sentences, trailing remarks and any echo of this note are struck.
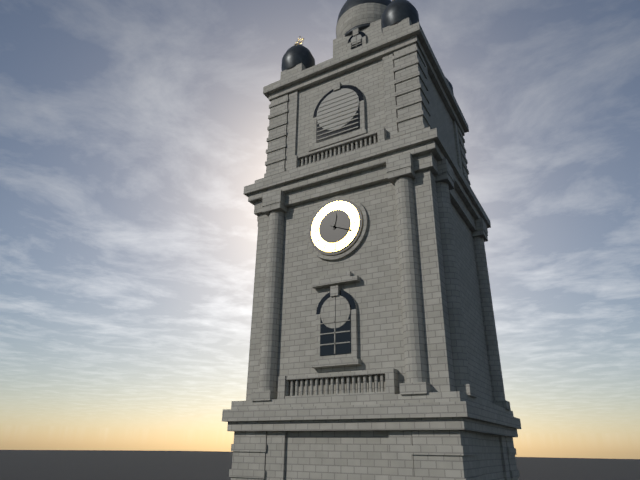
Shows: 12:19
